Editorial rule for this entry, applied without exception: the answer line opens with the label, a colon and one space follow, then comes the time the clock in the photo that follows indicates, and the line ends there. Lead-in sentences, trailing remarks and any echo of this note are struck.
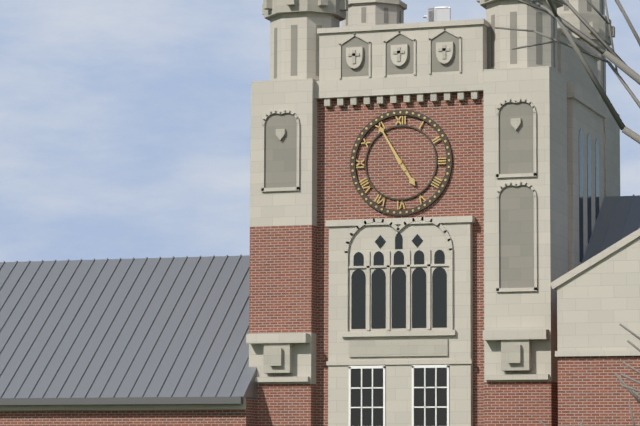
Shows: 4:55
